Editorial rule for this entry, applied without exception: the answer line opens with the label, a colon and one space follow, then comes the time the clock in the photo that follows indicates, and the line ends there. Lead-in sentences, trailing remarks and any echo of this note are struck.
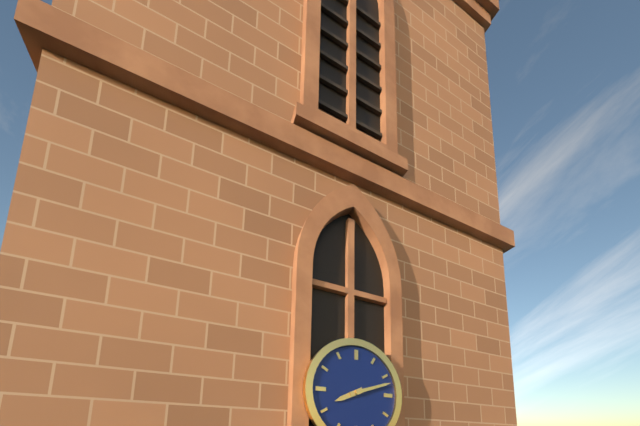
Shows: 8:12
